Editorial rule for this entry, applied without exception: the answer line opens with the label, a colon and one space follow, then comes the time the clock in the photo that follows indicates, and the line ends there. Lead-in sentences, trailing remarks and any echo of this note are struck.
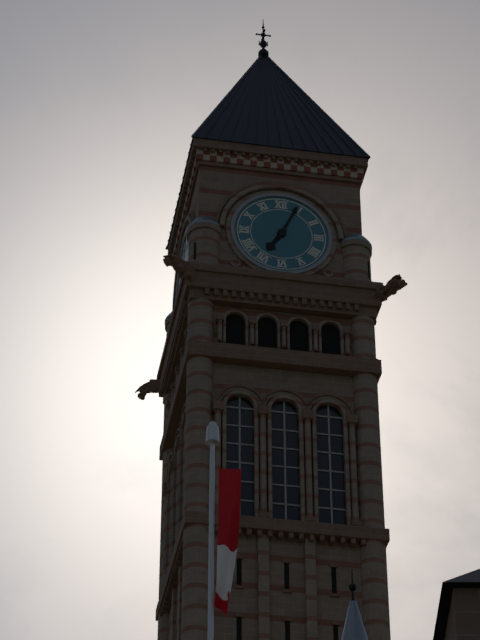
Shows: 7:04
